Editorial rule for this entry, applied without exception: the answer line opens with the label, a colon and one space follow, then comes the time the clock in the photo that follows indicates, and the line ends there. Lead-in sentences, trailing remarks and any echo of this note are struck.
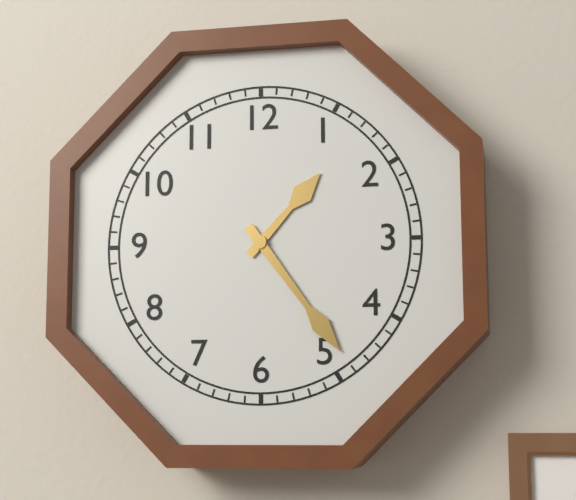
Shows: 1:24
